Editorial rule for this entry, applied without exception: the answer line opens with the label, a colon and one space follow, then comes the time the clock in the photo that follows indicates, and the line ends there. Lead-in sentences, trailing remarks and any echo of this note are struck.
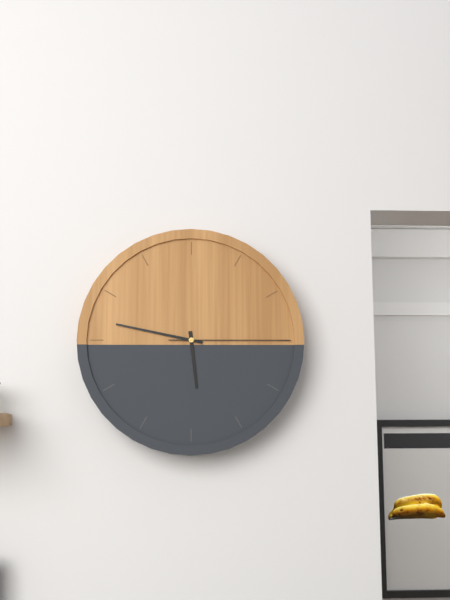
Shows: 5:47:15
